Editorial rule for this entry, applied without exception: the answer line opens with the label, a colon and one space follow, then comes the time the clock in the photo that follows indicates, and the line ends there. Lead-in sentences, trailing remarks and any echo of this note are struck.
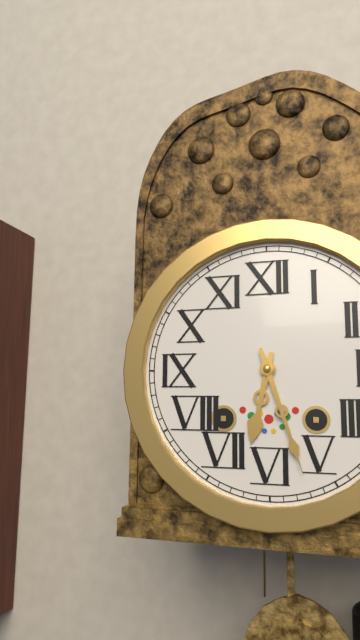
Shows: 6:27
